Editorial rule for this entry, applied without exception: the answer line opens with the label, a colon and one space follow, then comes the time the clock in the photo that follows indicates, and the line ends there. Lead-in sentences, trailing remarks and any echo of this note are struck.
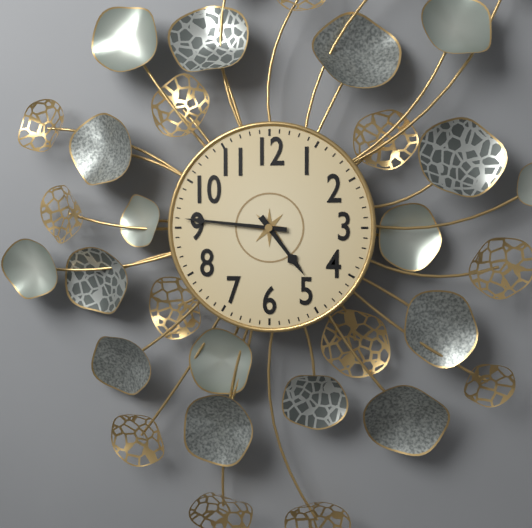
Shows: 4:46
